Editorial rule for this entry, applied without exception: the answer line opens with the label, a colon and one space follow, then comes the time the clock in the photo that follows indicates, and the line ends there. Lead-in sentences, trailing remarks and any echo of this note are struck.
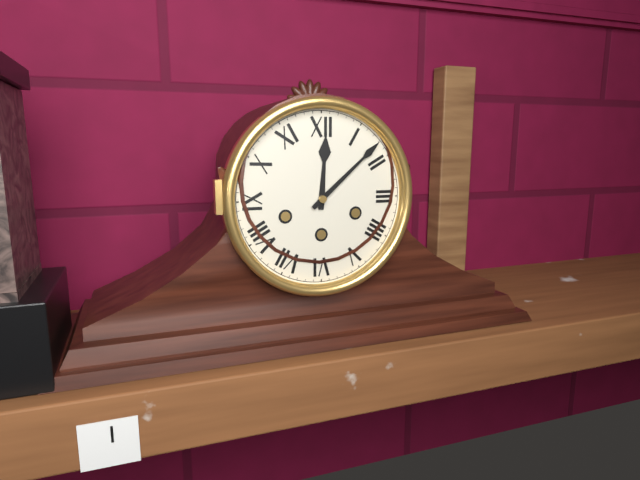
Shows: 12:08
